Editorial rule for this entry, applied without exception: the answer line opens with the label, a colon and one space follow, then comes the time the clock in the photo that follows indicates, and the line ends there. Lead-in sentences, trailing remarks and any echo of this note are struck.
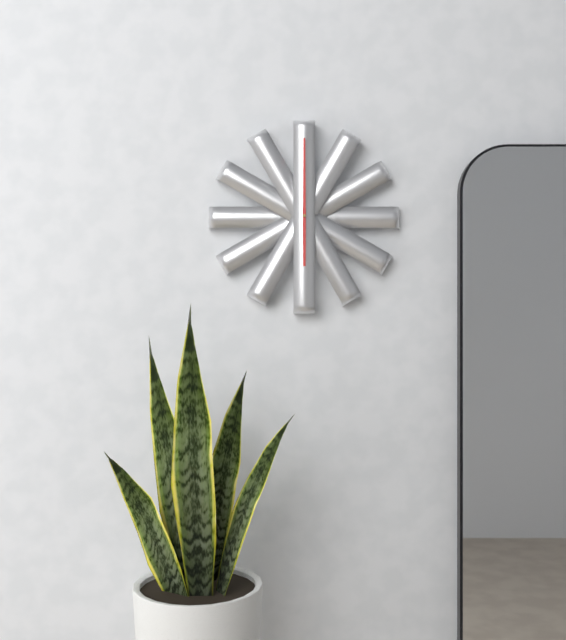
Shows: 6:00
